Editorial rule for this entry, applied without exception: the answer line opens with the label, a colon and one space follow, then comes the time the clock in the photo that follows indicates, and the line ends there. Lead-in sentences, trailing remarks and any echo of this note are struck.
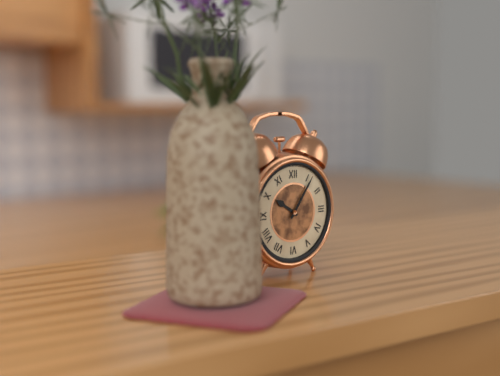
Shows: 10:06
